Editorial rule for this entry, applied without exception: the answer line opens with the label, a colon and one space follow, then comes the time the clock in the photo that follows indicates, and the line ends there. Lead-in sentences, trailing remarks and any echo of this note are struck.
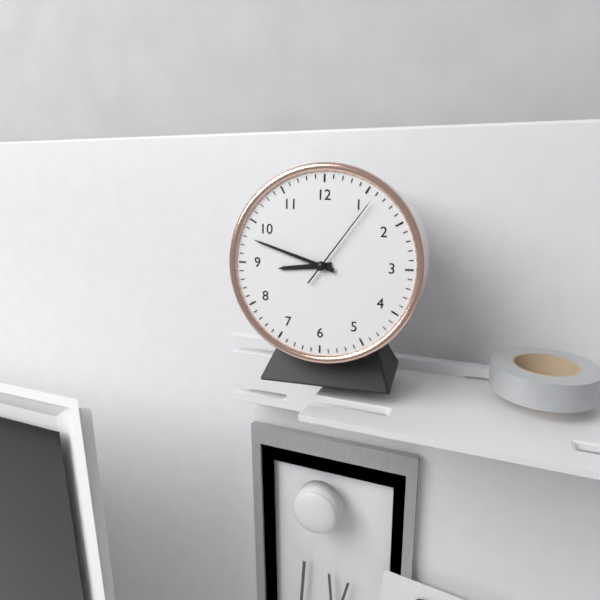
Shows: 8:48:06
